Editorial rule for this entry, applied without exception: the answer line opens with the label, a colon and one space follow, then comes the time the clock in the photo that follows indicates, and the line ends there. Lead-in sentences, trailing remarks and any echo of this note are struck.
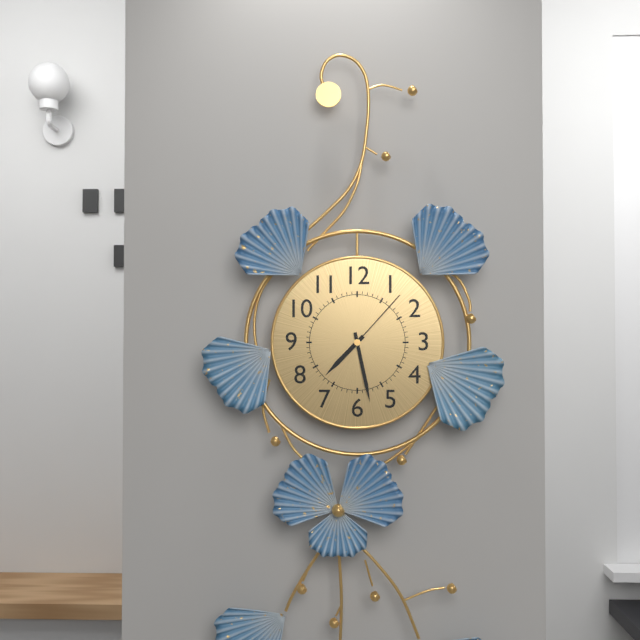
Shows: 7:28:07
